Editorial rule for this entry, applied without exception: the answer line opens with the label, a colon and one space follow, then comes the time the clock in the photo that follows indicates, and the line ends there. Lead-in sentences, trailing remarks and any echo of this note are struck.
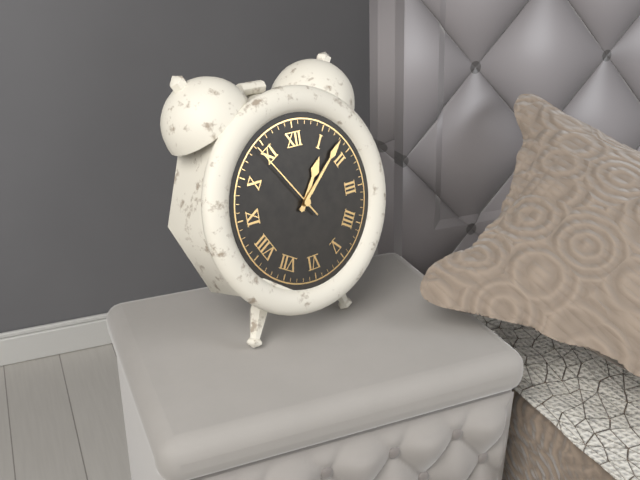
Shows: 1:08:54
